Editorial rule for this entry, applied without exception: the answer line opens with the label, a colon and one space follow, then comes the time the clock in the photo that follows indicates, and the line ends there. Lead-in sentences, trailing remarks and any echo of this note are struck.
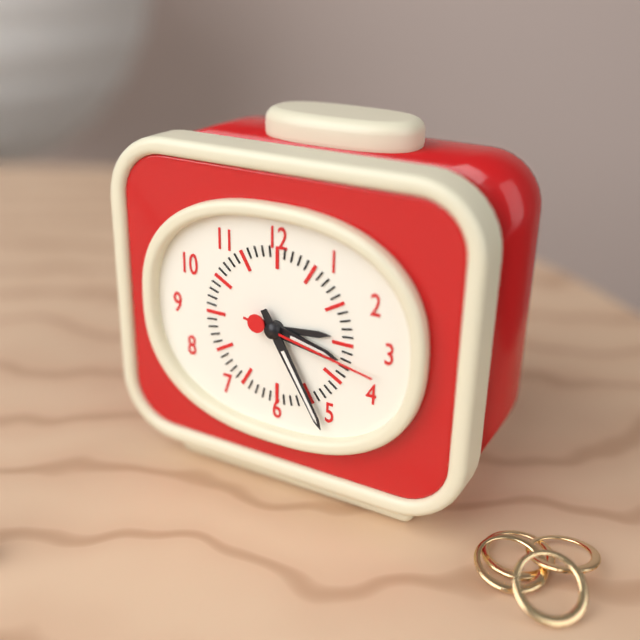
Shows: 3:25:17
